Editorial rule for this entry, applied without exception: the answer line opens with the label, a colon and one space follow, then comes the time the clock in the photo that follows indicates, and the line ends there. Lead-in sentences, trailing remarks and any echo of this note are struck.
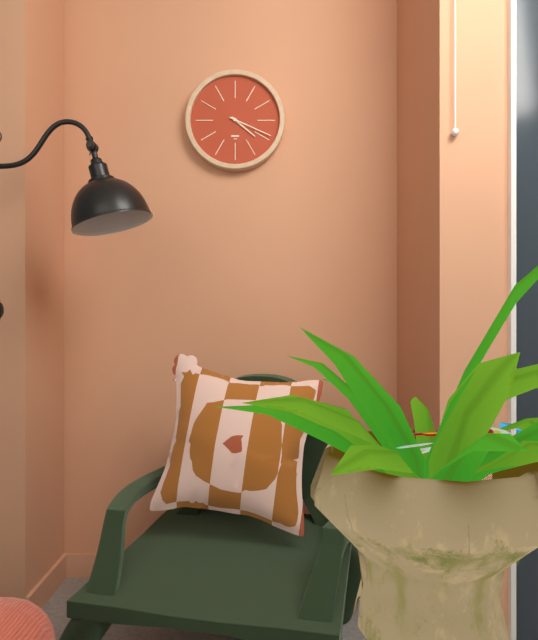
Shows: 4:19
